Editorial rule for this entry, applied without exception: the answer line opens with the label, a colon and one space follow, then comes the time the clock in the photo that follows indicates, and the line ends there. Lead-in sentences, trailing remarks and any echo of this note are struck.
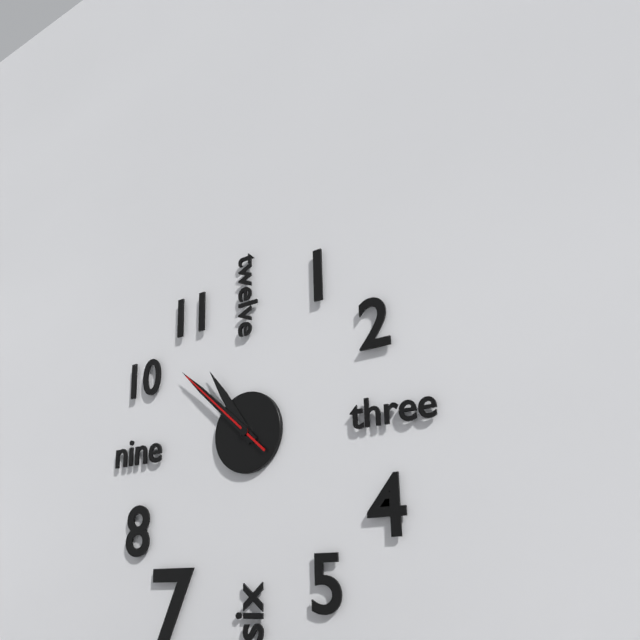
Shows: 10:52:52
